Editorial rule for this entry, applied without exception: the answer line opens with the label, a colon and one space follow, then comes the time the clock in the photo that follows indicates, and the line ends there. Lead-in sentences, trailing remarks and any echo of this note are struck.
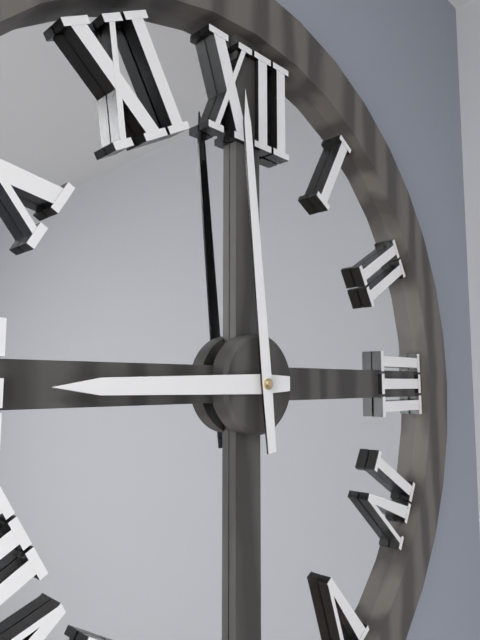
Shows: 8:59
